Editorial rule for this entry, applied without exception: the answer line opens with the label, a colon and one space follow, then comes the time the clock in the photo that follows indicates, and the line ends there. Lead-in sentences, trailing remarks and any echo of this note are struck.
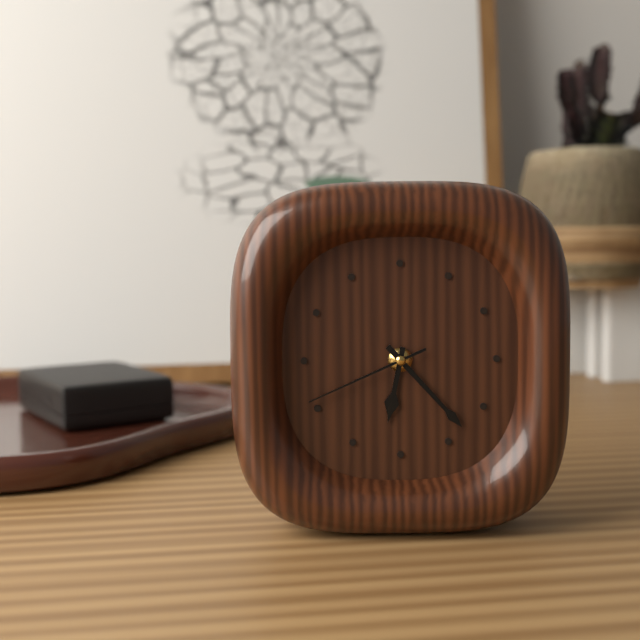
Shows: 6:23:41
